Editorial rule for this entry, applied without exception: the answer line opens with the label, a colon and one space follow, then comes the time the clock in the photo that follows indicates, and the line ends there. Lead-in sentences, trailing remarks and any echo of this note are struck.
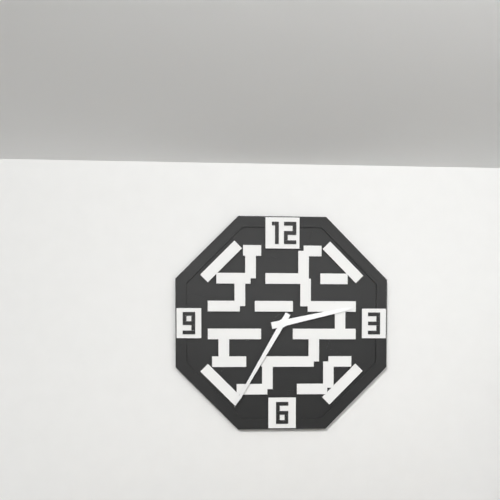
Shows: 2:35
